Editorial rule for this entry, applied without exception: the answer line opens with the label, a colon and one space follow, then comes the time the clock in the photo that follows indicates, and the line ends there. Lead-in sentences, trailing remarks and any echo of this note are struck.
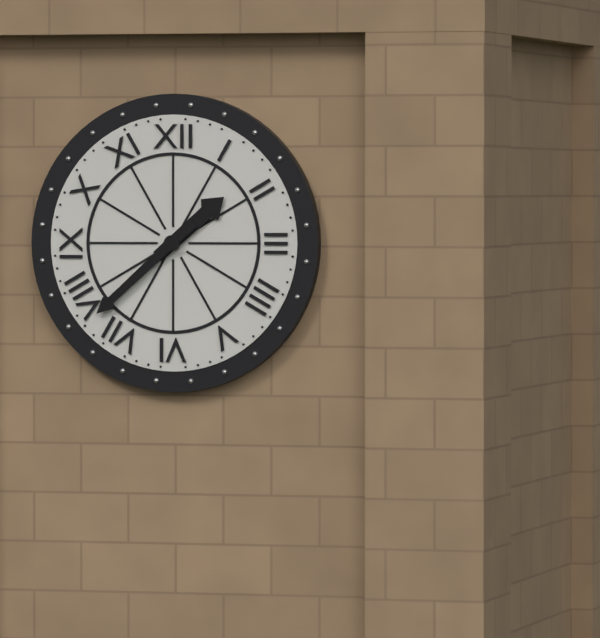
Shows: 1:38
